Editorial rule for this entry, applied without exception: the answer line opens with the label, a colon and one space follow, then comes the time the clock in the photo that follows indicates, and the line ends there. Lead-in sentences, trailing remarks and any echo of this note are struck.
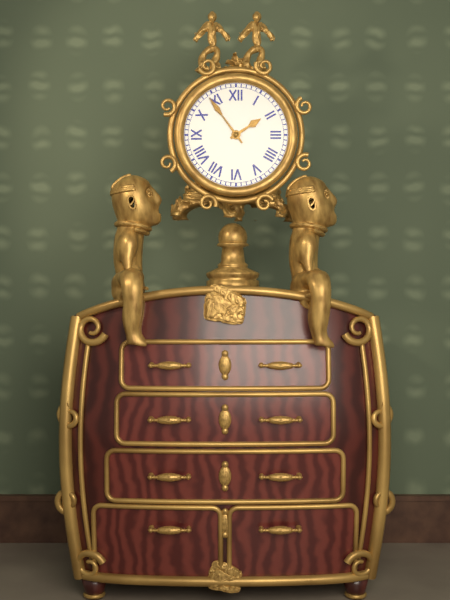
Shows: 1:54
